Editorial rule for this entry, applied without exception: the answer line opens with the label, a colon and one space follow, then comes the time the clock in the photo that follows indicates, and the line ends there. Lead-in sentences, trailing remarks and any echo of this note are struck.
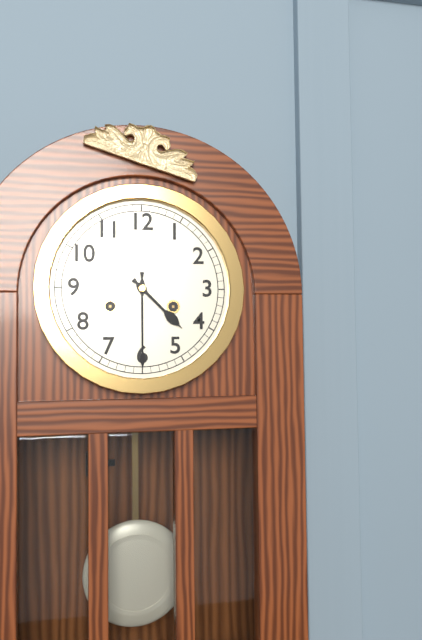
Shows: 4:30
